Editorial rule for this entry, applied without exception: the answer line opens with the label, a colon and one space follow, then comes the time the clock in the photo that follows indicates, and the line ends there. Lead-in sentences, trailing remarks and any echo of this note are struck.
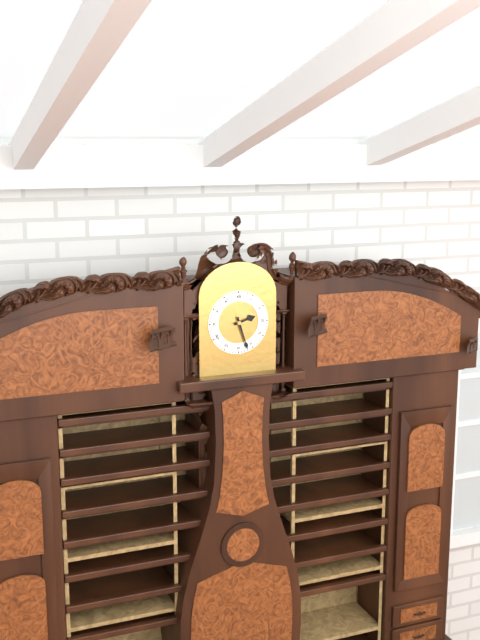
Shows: 2:27
